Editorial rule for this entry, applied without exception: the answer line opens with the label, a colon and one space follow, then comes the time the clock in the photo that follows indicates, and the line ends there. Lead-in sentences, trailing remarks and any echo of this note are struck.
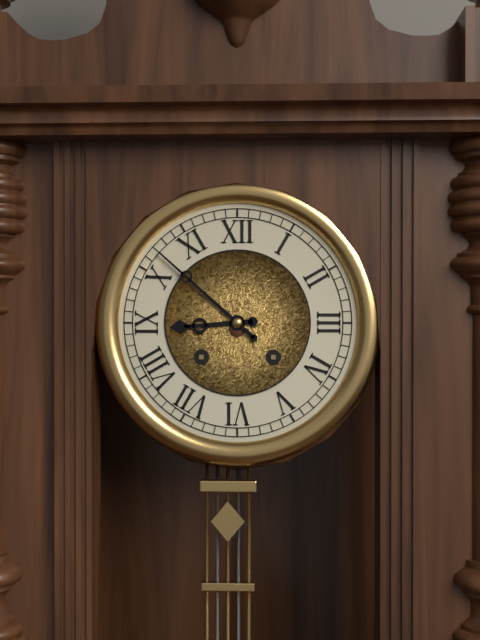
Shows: 8:52
